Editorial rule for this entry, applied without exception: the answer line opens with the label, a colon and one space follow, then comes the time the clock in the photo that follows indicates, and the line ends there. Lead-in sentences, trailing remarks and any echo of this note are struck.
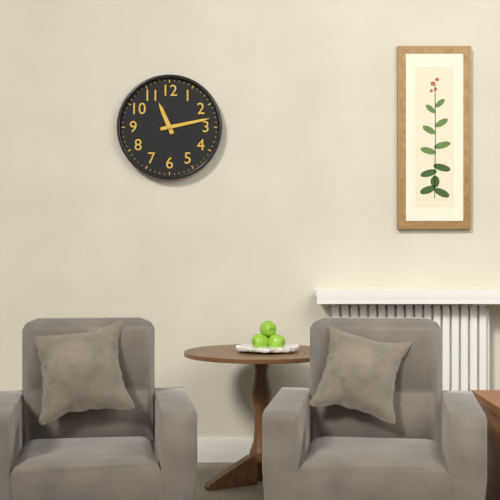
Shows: 11:13
